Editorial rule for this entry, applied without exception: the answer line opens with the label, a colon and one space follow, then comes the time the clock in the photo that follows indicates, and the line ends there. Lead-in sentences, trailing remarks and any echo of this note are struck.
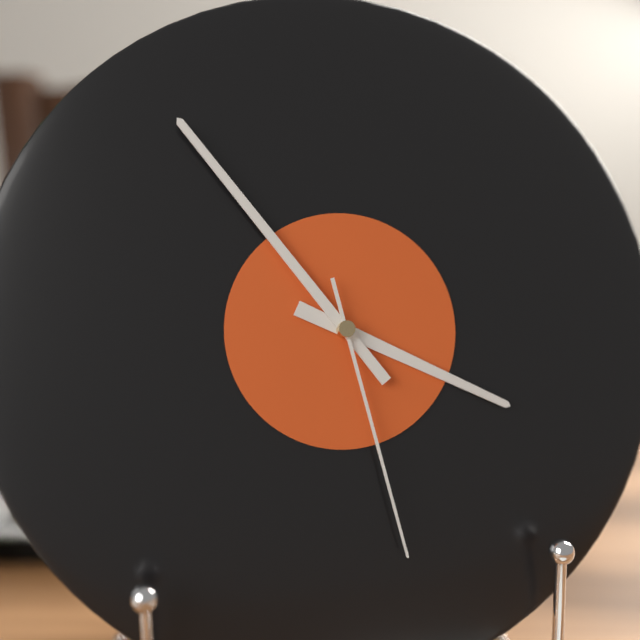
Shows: 3:54:28
